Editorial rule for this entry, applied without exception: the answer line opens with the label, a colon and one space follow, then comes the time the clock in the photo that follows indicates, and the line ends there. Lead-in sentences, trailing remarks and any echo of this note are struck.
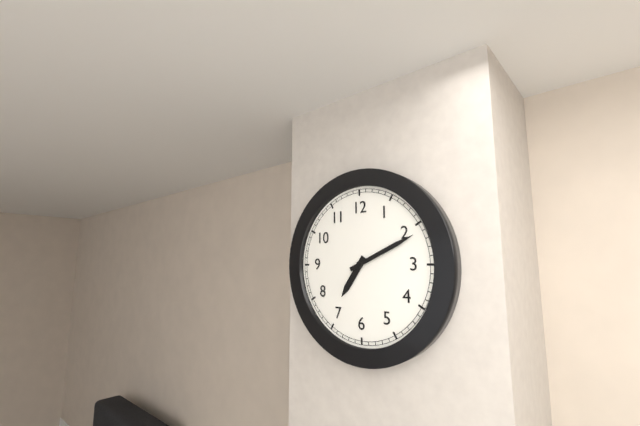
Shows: 7:11
